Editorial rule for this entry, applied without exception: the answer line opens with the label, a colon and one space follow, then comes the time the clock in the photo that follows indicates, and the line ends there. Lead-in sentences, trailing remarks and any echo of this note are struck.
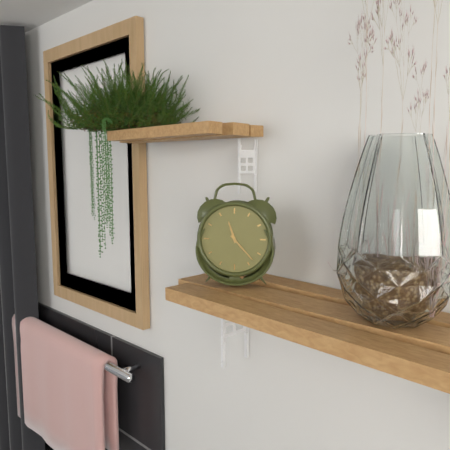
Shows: 11:23
